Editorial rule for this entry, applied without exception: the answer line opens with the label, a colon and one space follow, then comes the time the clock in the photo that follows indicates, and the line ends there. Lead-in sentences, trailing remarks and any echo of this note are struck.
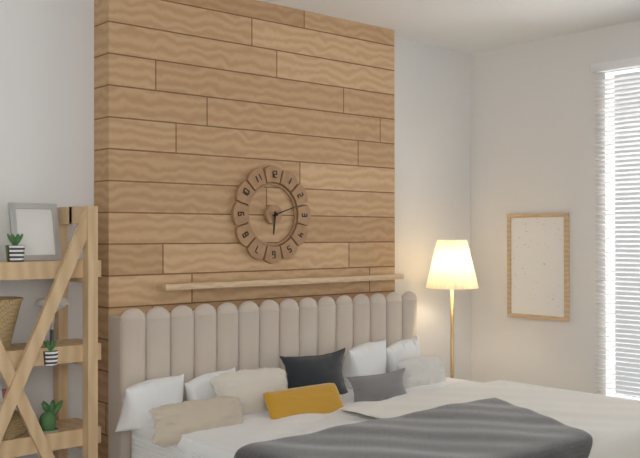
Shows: 6:12
